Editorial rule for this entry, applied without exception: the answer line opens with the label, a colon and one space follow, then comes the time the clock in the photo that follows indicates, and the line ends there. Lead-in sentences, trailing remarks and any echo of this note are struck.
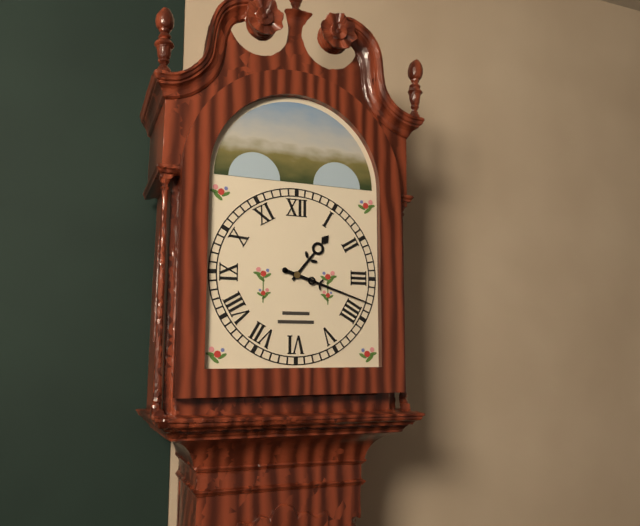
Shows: 1:18
